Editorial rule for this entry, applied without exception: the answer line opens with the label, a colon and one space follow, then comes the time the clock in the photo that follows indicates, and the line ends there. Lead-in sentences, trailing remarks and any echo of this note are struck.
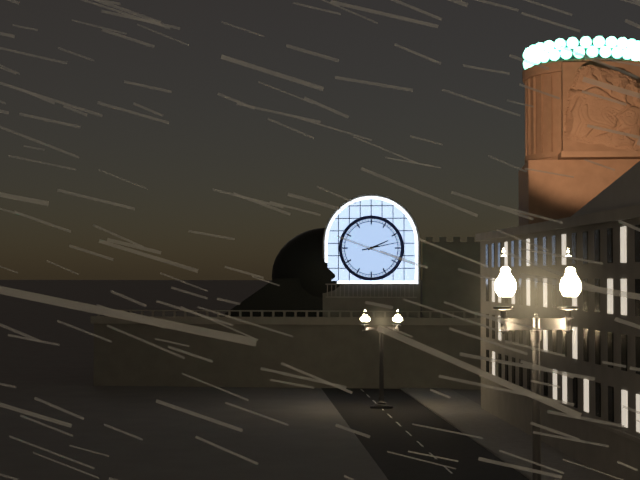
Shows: 2:13
